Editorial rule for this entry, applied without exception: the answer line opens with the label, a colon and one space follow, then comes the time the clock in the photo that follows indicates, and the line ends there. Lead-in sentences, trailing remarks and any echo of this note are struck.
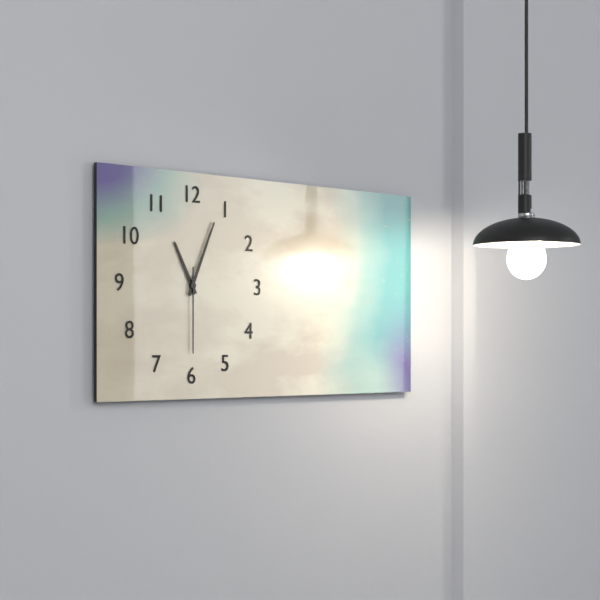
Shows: 11:04:30
